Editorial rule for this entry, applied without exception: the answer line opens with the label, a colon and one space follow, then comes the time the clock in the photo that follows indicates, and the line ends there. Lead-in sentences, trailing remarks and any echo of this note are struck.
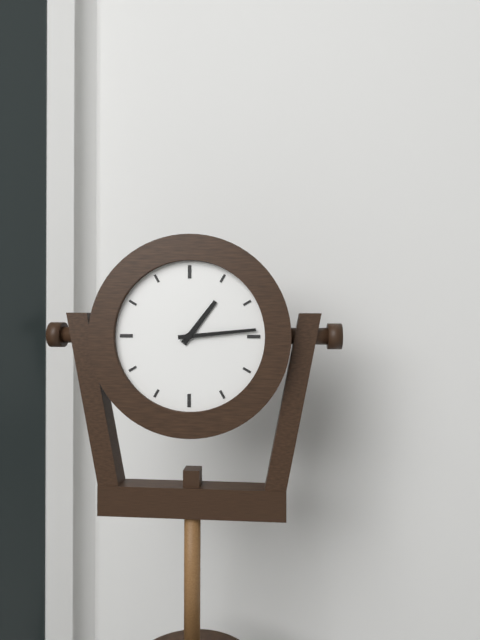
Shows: 1:14
